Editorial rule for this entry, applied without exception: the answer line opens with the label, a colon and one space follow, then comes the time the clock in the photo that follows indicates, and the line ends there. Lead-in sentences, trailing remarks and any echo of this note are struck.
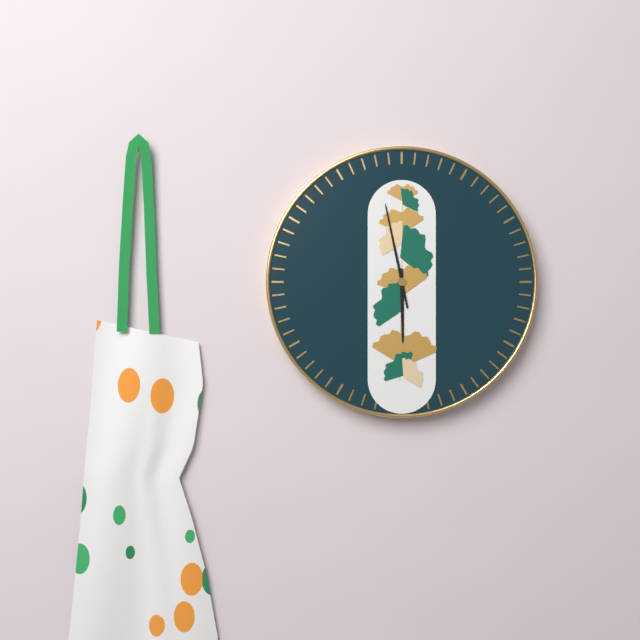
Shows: 5:58
